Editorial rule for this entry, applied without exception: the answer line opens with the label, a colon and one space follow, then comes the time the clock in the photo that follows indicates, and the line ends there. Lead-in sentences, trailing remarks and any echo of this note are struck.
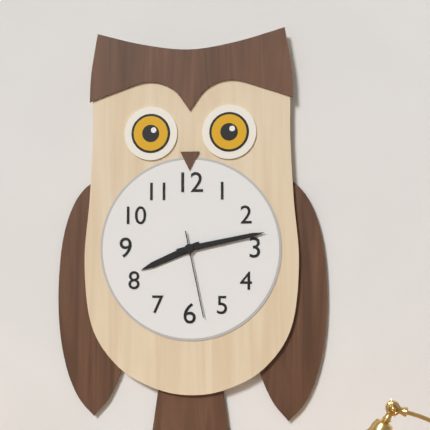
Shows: 8:13:28
